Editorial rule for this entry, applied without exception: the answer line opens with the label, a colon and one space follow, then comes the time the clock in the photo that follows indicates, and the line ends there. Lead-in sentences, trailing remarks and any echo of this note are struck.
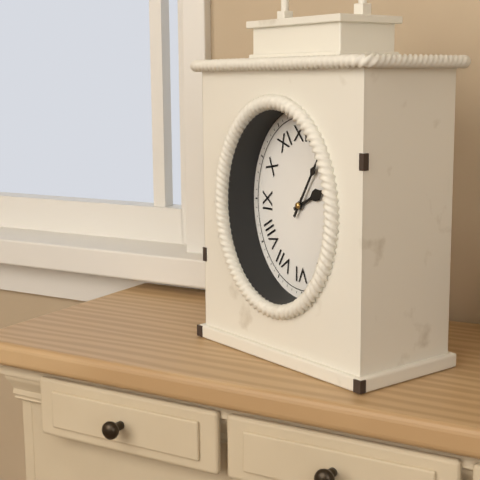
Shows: 2:05
